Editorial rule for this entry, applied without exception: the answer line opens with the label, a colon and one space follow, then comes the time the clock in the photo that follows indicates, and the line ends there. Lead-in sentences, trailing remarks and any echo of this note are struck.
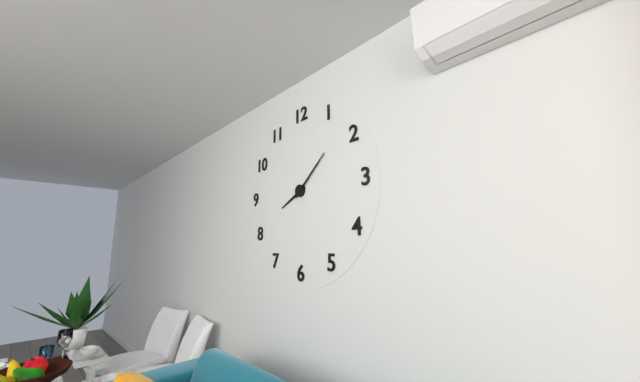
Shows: 8:08
